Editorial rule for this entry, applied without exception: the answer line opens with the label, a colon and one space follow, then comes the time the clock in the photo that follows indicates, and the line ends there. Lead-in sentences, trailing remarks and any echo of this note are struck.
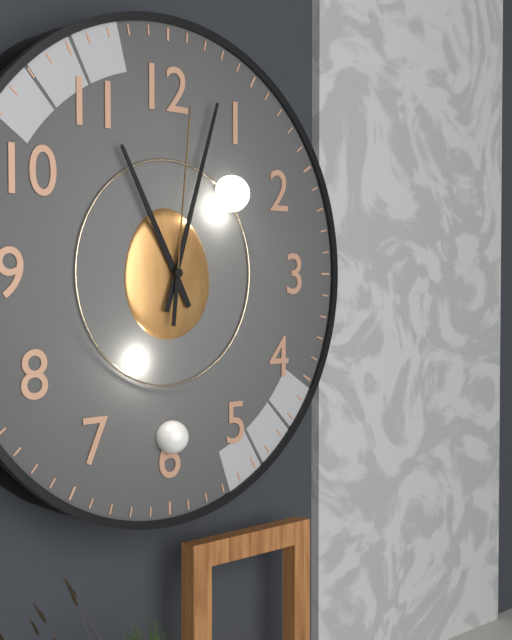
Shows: 11:03:01
